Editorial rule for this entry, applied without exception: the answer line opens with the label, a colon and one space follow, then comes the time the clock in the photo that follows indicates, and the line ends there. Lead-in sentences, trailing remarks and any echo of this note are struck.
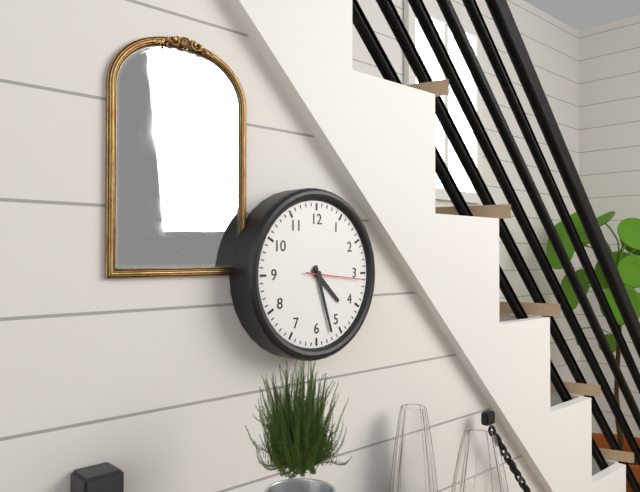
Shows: 4:27:16
